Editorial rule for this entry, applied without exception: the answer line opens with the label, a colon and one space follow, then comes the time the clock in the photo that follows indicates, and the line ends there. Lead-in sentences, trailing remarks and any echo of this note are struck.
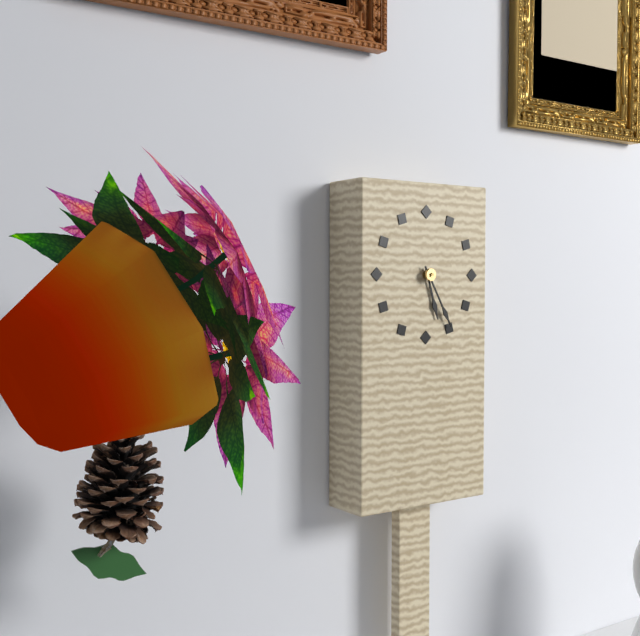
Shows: 5:25
